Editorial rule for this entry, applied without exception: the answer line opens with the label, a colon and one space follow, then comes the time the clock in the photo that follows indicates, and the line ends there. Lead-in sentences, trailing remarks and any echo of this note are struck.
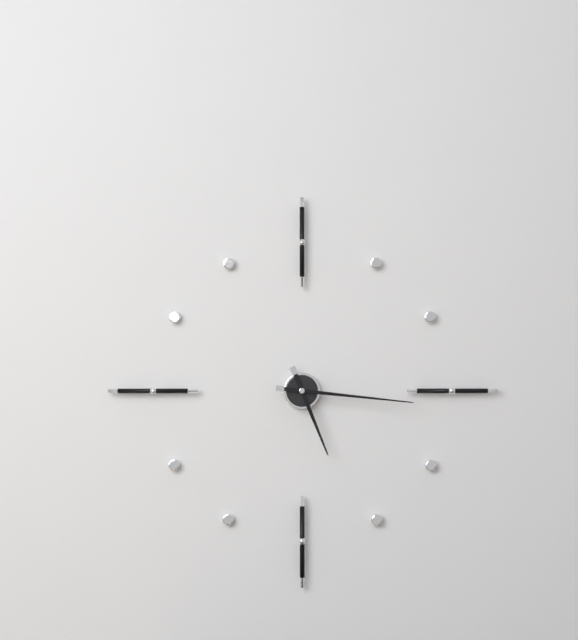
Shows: 5:16
